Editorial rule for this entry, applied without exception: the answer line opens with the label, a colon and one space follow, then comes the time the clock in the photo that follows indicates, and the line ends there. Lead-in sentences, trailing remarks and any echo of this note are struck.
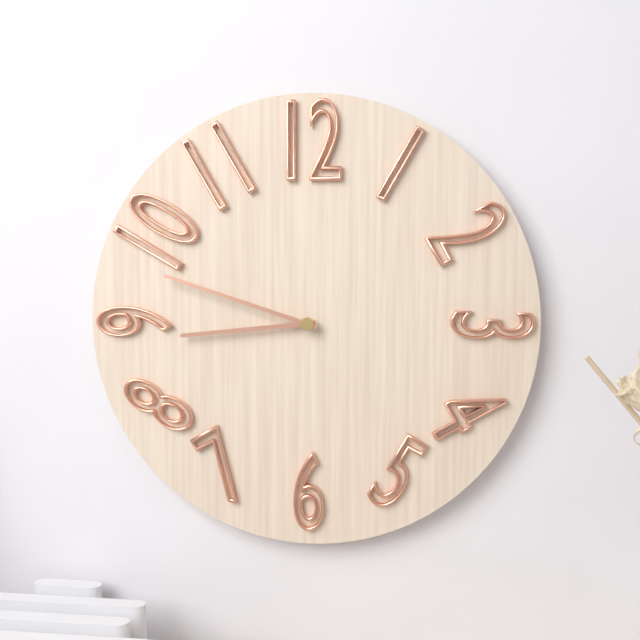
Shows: 8:48
